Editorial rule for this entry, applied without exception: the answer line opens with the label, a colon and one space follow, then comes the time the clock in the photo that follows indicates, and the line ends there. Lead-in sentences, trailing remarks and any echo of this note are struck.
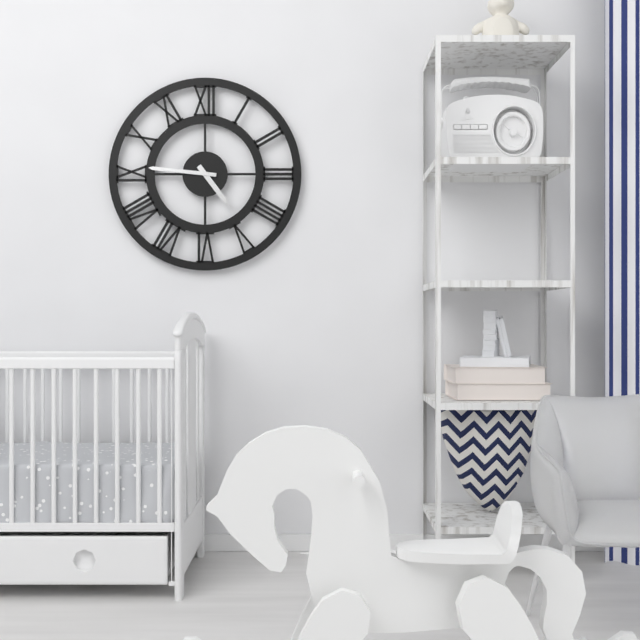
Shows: 4:46
